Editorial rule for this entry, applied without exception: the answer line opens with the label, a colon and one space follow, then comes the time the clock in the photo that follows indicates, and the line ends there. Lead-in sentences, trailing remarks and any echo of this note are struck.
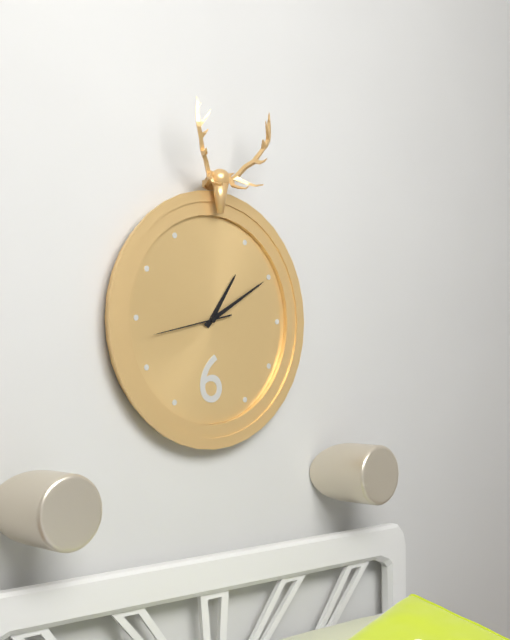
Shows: 1:10:43
